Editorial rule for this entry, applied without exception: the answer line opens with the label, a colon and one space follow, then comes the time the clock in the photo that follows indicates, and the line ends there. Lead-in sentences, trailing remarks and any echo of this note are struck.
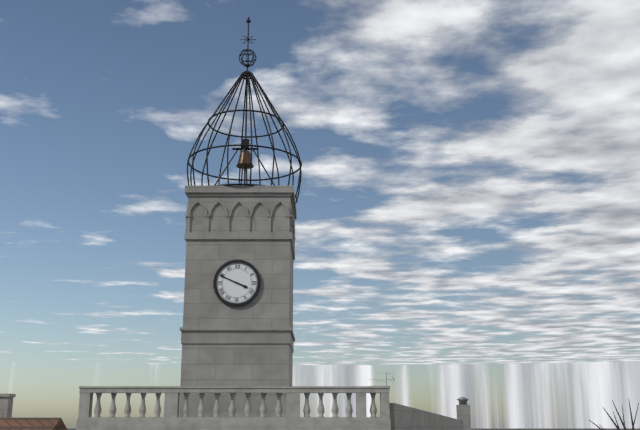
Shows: 3:49
